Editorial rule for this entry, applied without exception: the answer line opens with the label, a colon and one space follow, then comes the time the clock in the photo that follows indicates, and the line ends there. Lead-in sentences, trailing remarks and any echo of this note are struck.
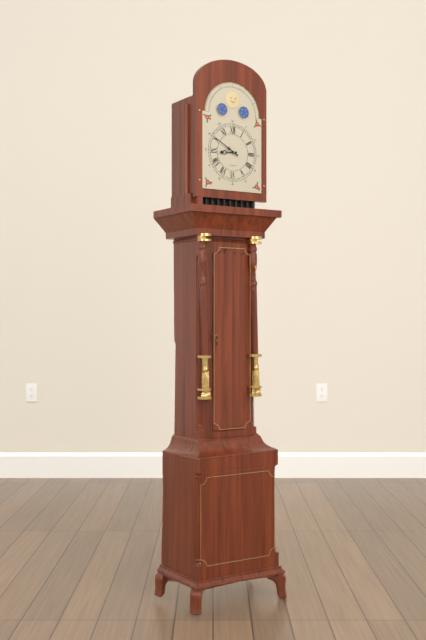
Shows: 8:50
